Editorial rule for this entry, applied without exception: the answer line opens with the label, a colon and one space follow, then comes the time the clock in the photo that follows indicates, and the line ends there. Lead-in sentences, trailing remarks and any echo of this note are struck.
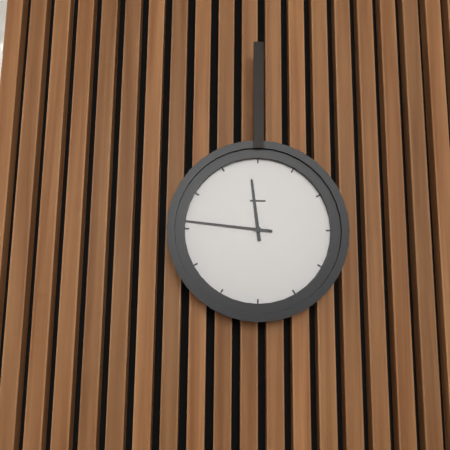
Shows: 11:46
